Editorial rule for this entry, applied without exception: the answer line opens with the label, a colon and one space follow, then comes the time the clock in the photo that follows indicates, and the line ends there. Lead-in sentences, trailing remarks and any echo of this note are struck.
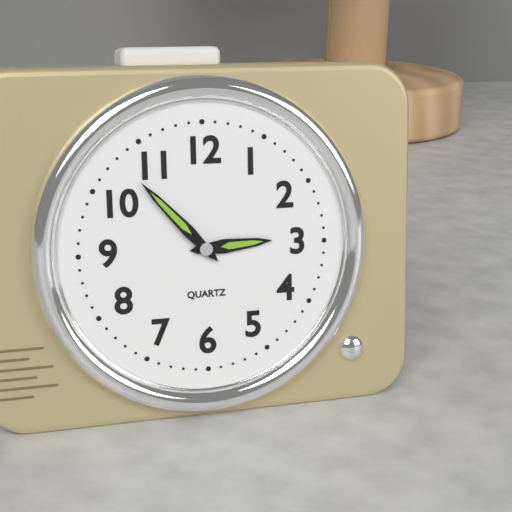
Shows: 2:53
